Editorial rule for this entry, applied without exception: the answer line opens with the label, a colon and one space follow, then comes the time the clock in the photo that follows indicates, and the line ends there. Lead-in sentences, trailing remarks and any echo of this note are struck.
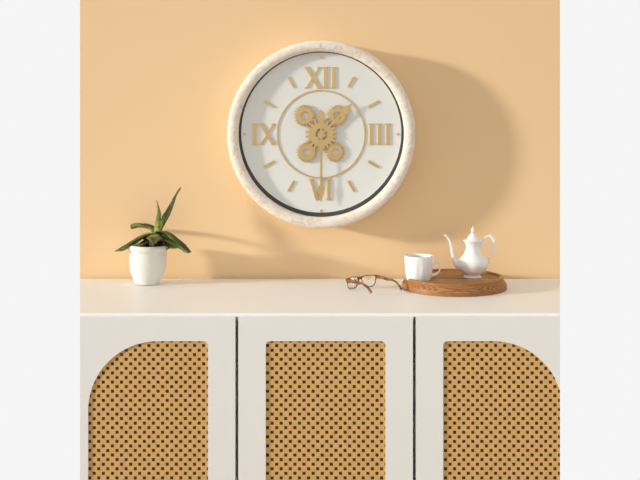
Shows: 1:30
